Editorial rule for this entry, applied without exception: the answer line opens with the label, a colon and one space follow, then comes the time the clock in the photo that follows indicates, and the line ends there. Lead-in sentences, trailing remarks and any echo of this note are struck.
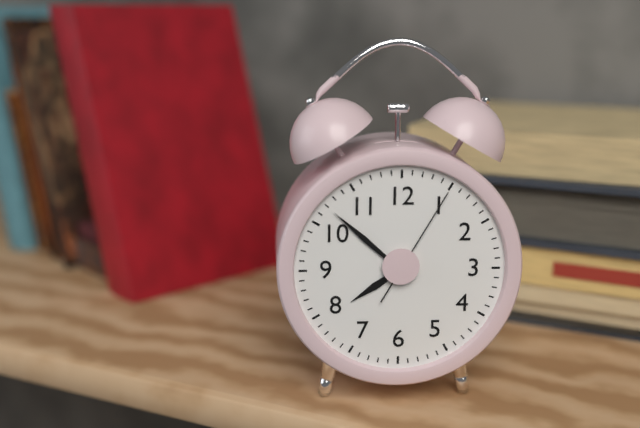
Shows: 7:52:05
